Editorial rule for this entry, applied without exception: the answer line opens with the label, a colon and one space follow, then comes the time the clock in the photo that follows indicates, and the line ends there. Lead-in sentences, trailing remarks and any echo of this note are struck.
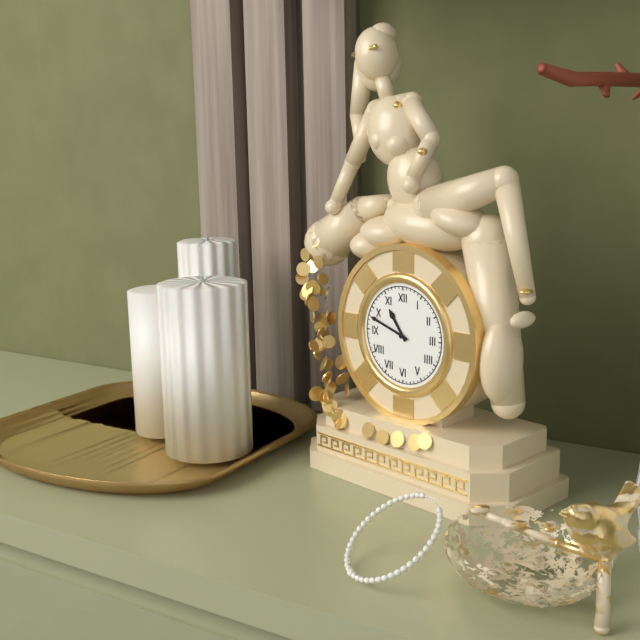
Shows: 10:48
